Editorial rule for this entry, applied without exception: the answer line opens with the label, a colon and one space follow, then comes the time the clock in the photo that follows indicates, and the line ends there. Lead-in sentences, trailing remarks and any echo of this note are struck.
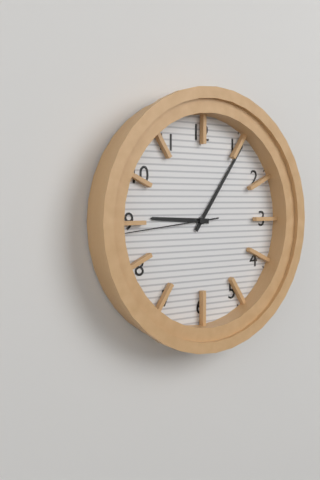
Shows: 9:06:44
